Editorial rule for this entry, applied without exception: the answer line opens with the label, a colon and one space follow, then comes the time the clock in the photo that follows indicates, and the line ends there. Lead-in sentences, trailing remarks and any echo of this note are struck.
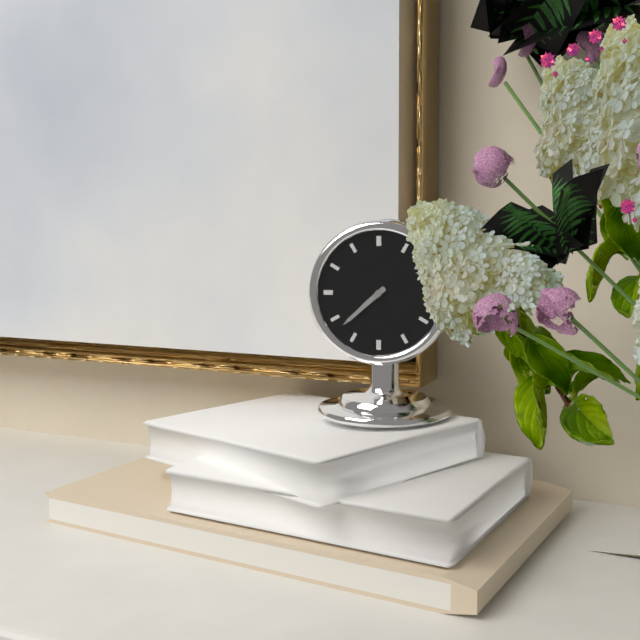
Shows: 7:38
